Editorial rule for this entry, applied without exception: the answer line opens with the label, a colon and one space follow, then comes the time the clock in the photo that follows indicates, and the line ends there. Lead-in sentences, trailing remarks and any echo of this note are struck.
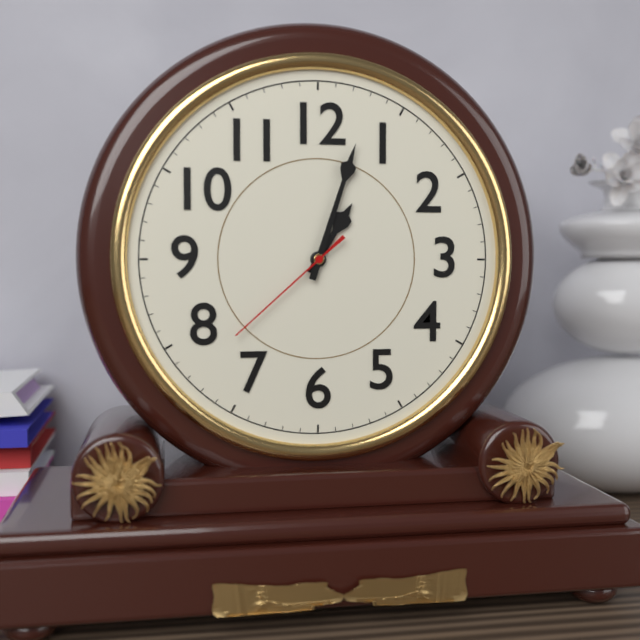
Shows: 1:03:38
